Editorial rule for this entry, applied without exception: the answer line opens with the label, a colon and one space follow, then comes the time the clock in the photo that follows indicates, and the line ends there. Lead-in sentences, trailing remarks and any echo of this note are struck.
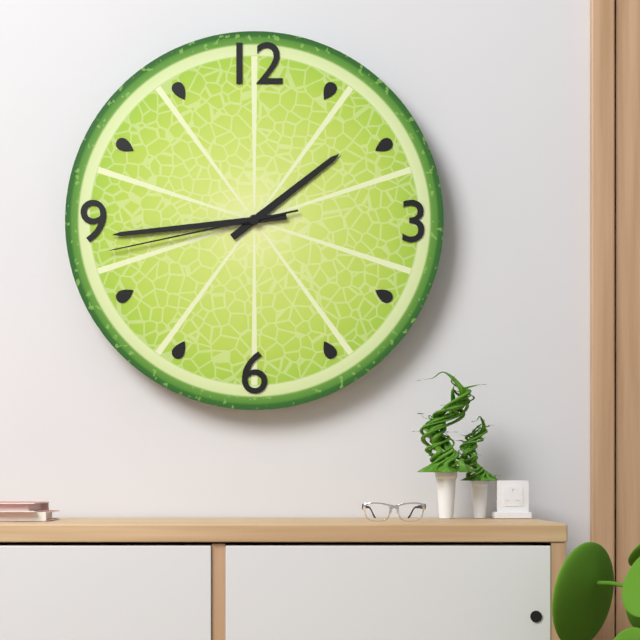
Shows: 1:44:43
